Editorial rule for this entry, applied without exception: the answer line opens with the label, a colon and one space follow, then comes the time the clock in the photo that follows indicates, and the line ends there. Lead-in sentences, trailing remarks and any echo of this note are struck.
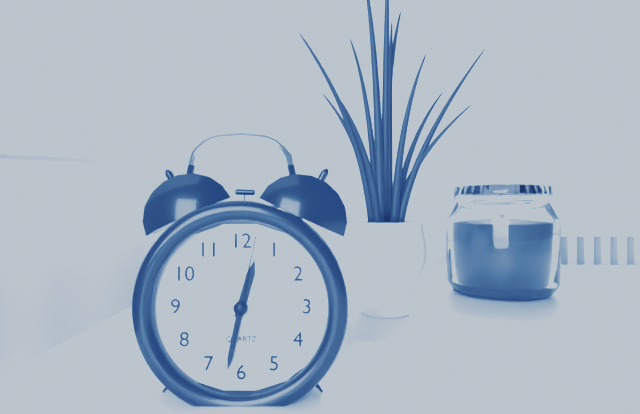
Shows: 12:32:02
